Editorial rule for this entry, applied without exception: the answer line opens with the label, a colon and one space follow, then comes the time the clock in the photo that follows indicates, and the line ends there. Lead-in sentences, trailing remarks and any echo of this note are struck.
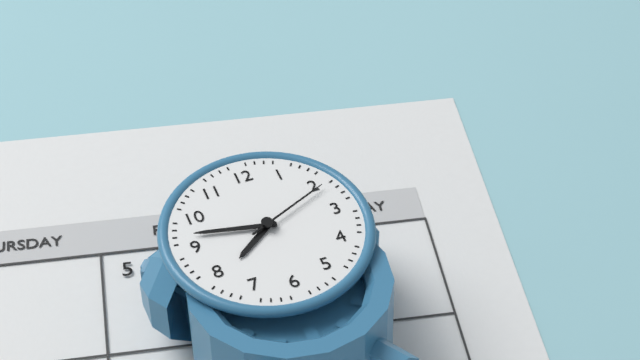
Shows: 7:47:11
